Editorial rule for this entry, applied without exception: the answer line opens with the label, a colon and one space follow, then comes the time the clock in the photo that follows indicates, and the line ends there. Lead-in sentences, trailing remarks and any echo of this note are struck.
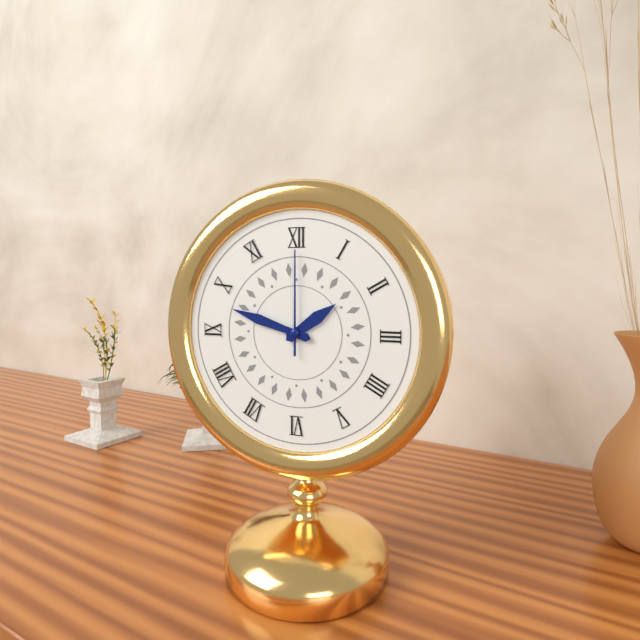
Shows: 1:48:00
